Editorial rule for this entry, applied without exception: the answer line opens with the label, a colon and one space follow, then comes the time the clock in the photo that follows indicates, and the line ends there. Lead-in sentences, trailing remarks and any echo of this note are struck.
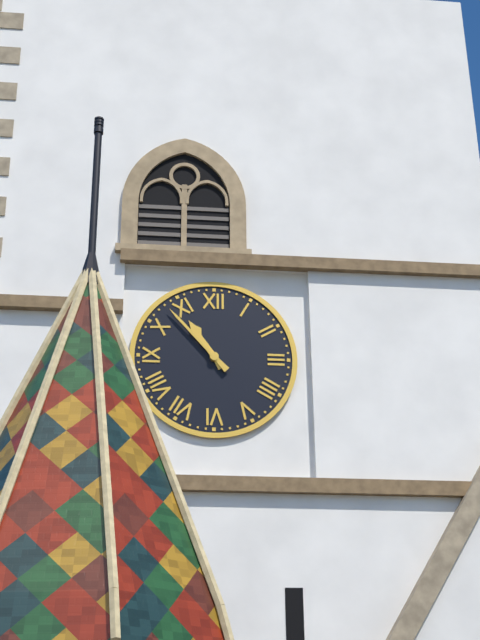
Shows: 10:53
